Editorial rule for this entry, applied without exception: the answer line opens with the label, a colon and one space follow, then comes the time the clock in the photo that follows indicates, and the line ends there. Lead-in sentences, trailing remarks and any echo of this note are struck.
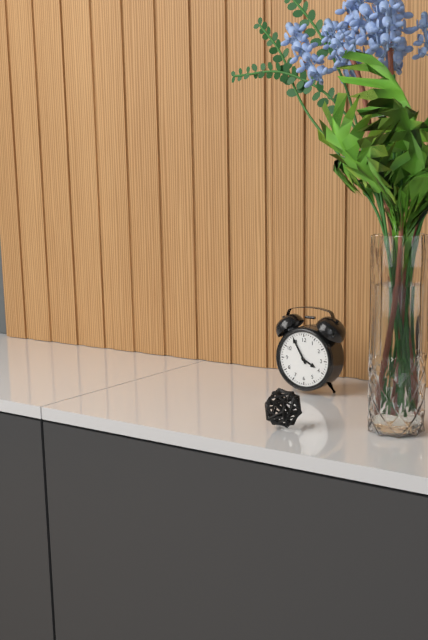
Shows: 3:55
